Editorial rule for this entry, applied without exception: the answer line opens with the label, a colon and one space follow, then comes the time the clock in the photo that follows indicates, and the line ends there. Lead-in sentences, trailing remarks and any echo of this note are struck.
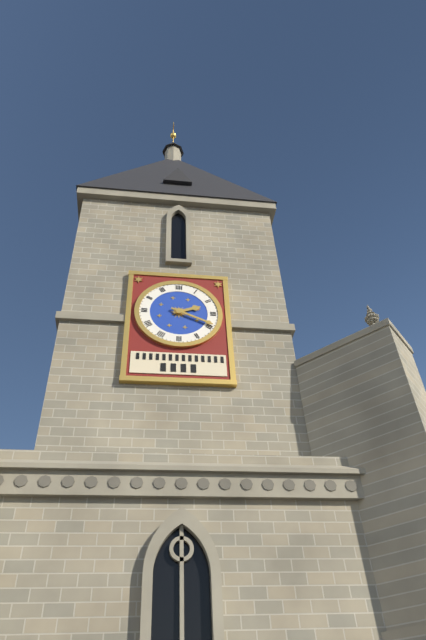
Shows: 2:19
